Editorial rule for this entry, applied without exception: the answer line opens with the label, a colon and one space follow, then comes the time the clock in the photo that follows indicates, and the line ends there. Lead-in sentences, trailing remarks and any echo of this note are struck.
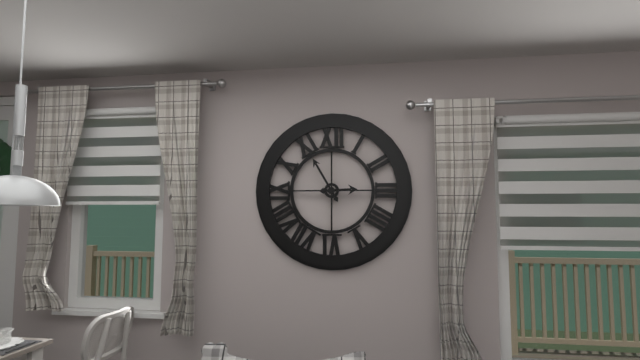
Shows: 2:55
